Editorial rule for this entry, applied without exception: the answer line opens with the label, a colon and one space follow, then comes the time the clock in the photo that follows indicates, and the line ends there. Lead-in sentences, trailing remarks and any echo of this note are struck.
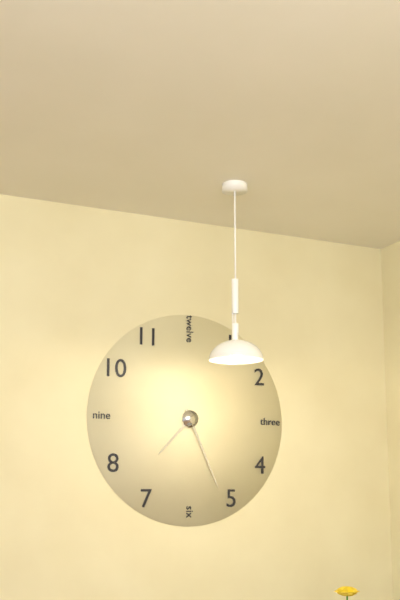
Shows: 7:26
